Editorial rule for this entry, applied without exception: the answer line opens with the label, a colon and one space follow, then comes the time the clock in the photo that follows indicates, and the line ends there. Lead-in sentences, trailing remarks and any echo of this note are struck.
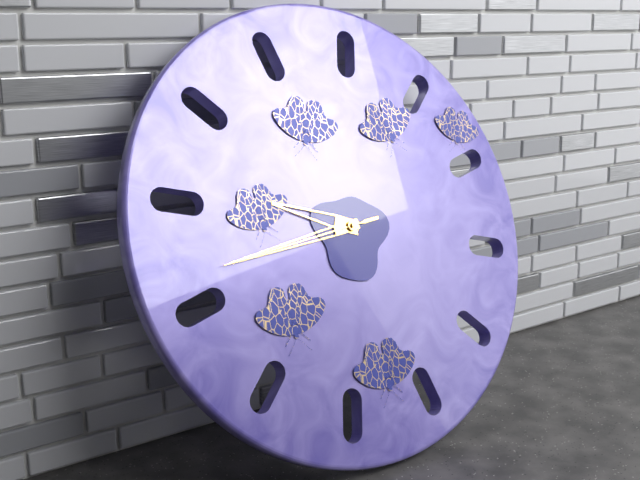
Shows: 9:44:44
